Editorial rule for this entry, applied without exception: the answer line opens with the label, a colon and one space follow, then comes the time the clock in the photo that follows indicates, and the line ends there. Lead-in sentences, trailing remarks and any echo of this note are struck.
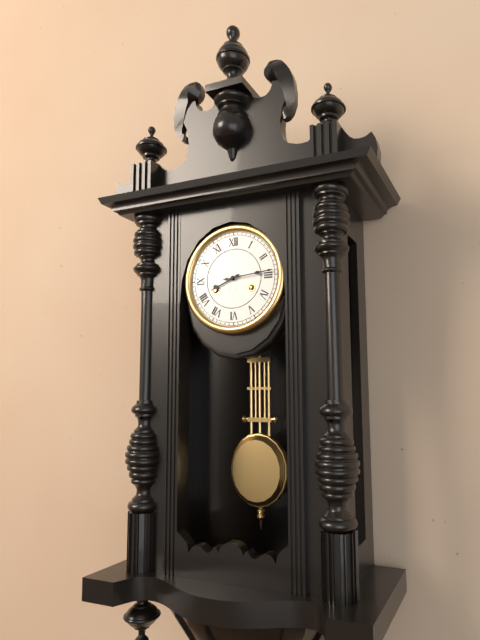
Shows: 8:14
